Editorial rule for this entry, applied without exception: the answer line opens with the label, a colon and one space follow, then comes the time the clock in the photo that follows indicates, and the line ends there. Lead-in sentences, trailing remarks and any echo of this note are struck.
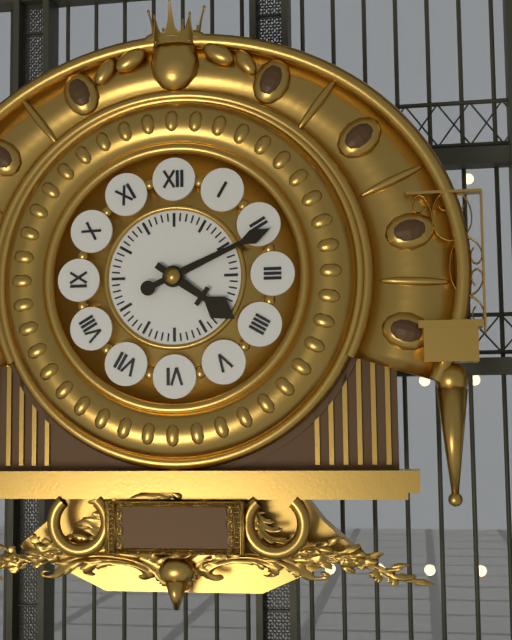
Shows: 4:11
